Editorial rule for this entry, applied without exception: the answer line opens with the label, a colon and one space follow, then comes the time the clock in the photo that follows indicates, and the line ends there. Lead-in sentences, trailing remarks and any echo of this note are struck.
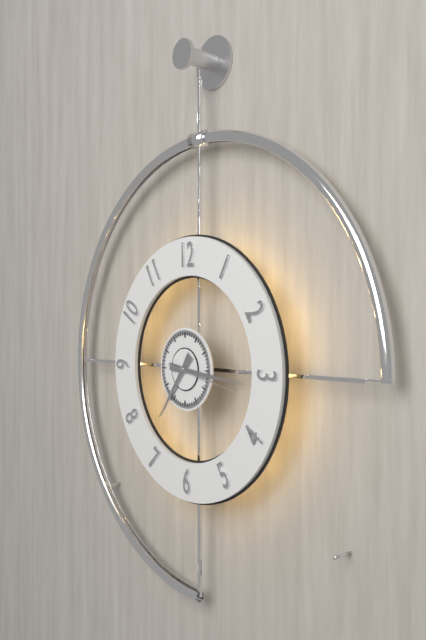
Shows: 7:16:17
